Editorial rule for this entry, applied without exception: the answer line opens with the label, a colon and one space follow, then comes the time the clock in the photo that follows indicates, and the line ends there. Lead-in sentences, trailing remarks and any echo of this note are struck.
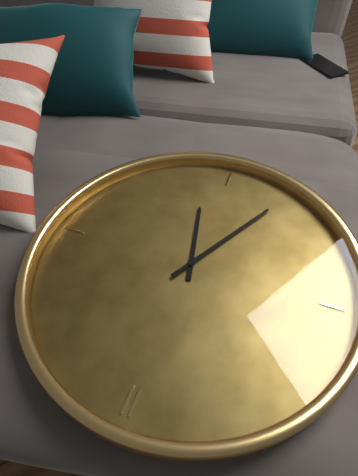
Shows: 5:35
